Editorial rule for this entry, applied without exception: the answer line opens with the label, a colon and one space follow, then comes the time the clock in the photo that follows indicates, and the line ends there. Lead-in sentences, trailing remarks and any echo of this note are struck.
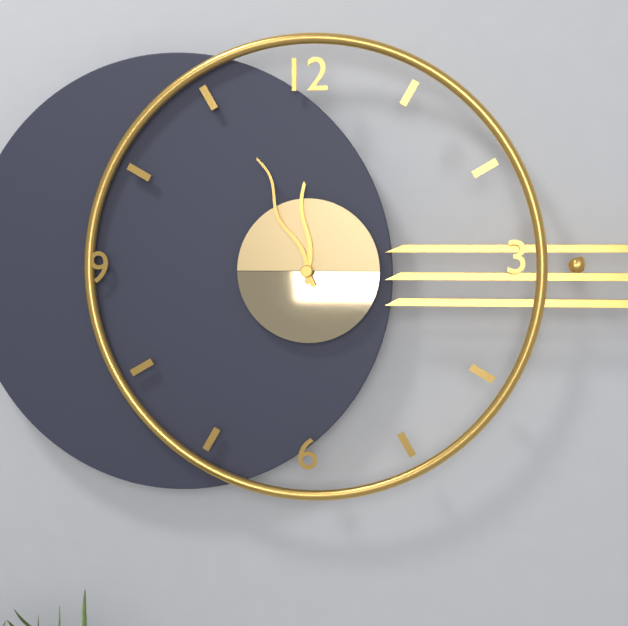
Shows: 11:56
